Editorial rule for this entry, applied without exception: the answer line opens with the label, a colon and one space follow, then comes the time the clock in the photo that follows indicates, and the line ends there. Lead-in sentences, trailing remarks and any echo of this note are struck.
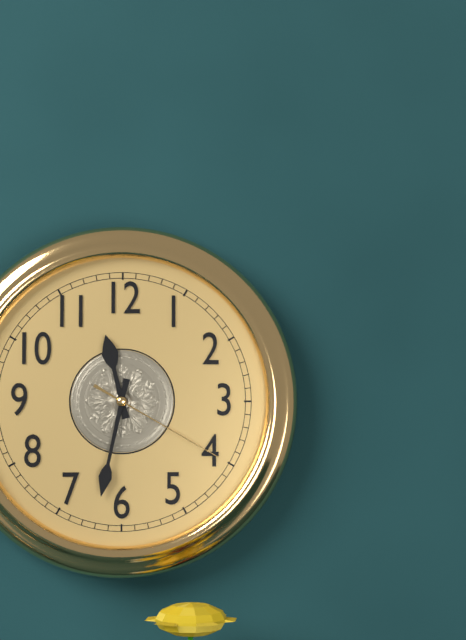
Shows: 11:32:20
